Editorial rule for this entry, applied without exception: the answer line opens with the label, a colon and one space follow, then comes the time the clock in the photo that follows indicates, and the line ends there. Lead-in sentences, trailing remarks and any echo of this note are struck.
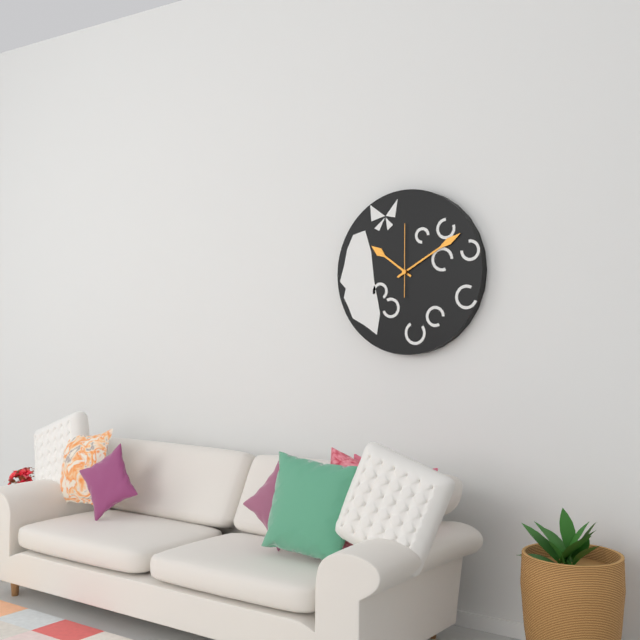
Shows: 10:10:00
